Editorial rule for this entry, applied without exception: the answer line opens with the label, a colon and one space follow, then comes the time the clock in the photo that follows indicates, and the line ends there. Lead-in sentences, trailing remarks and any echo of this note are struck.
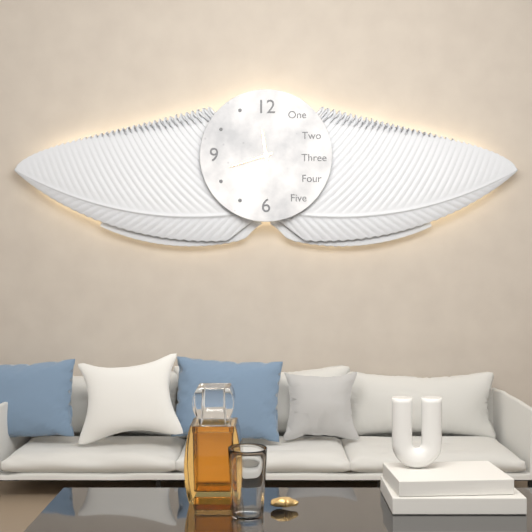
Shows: 11:42
